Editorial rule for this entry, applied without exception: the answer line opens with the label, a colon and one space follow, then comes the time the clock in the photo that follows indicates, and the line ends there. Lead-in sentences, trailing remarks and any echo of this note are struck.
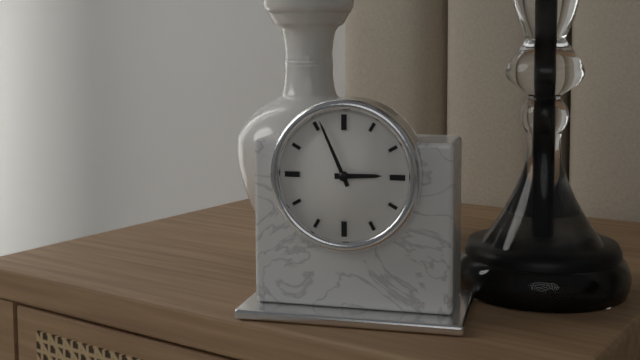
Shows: 2:56
